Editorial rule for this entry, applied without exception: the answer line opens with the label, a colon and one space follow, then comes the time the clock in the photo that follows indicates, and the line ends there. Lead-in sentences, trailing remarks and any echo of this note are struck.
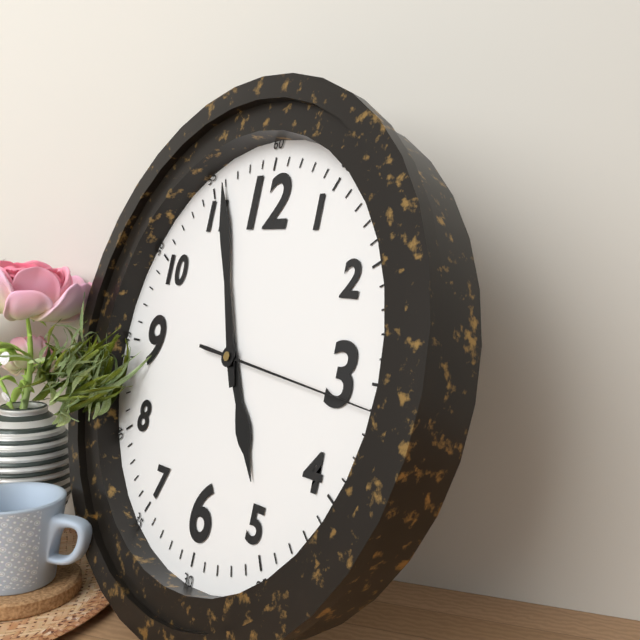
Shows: 4:56:16
